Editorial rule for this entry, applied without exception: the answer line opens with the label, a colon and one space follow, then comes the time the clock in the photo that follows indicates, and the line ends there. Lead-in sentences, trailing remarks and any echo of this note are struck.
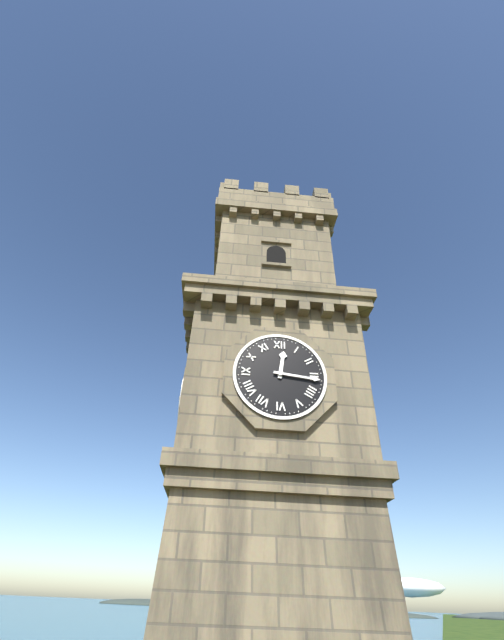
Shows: 12:16
